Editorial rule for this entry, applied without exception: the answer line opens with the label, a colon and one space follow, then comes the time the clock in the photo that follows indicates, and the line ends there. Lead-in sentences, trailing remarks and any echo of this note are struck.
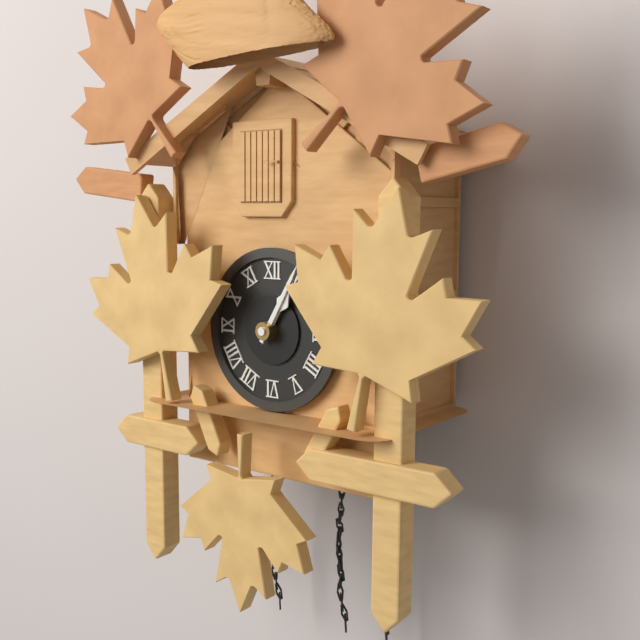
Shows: 1:05
